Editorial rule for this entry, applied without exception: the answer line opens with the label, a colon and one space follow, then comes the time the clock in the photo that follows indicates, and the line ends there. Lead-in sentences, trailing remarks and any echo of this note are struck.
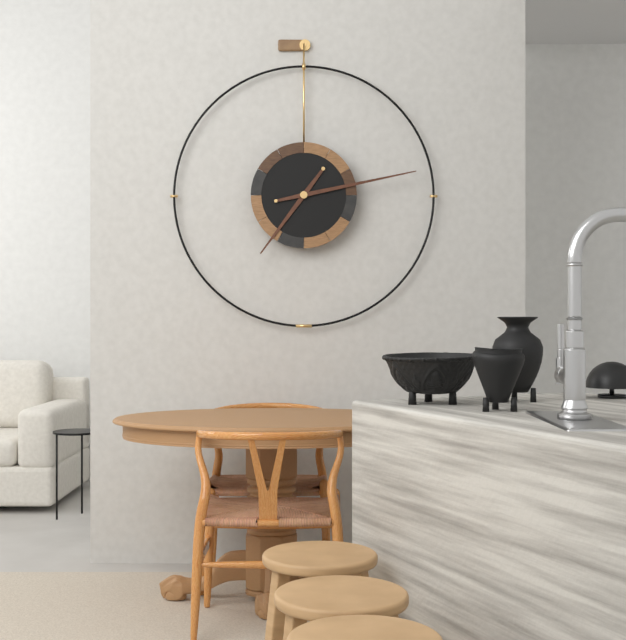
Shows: 7:13
